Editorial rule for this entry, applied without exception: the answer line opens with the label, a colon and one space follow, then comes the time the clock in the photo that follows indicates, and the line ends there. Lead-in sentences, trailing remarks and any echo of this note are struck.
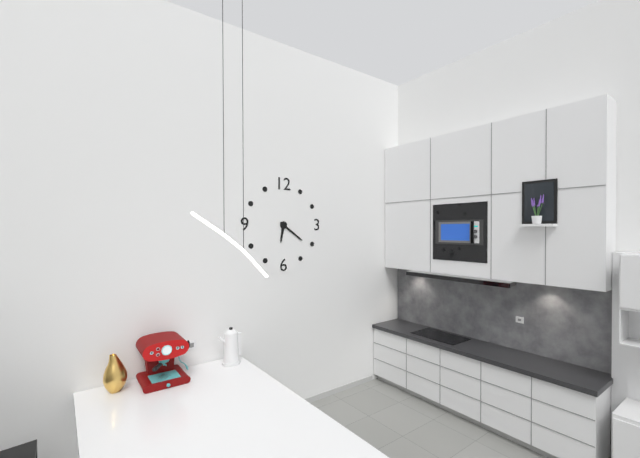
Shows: 6:21
